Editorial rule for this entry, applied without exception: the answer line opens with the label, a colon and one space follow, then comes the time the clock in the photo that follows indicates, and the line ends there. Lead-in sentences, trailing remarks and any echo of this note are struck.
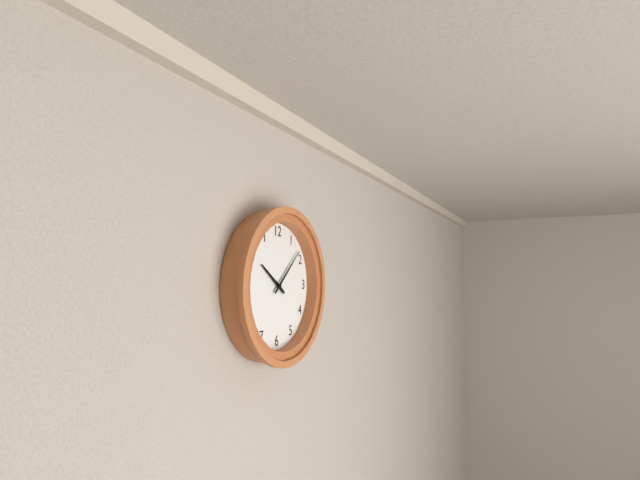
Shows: 10:08
